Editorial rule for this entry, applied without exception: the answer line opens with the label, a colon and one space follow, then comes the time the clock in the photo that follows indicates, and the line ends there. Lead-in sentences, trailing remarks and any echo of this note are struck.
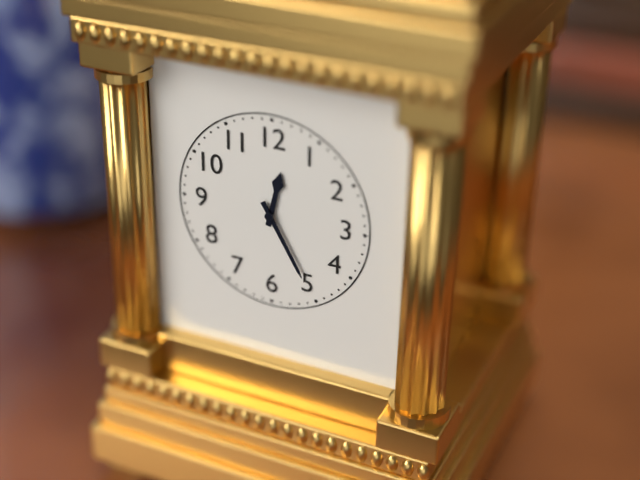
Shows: 12:25
